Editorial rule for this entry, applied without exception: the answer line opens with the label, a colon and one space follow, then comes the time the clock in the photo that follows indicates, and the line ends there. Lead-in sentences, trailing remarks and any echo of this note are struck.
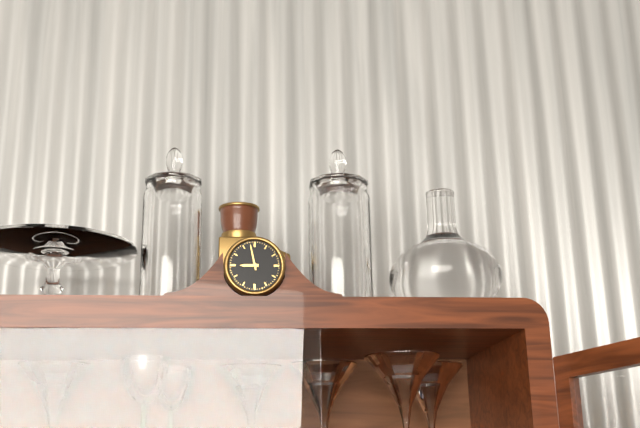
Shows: 8:58
